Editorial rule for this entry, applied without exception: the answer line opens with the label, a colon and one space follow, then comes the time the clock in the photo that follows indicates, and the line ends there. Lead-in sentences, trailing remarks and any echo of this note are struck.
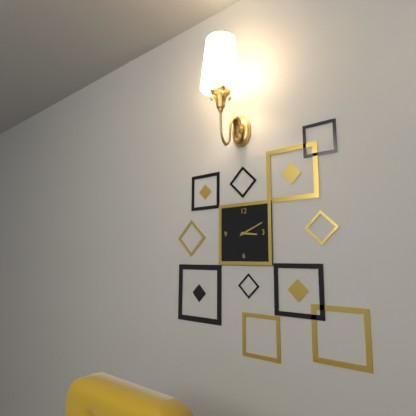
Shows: 3:11
